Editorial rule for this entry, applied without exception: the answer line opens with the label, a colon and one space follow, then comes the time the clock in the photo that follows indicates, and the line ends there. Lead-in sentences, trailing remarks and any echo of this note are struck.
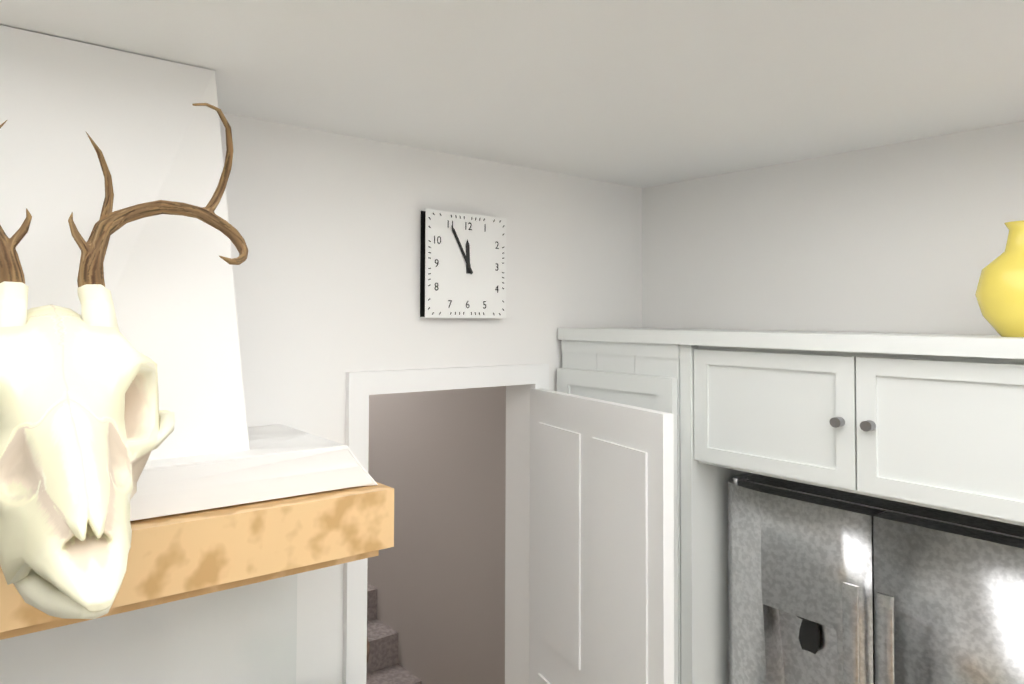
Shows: 11:55
